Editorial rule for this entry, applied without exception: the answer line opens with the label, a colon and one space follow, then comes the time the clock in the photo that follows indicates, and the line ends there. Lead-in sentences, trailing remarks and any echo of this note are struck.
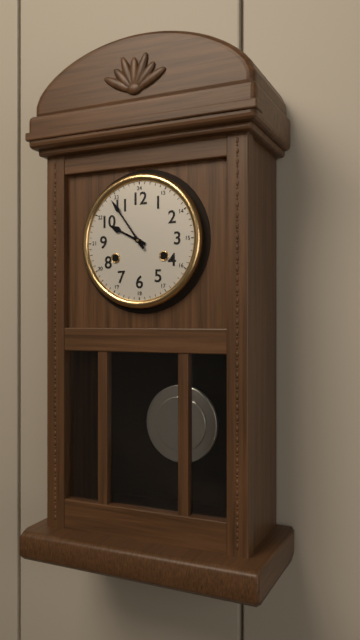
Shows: 9:54
